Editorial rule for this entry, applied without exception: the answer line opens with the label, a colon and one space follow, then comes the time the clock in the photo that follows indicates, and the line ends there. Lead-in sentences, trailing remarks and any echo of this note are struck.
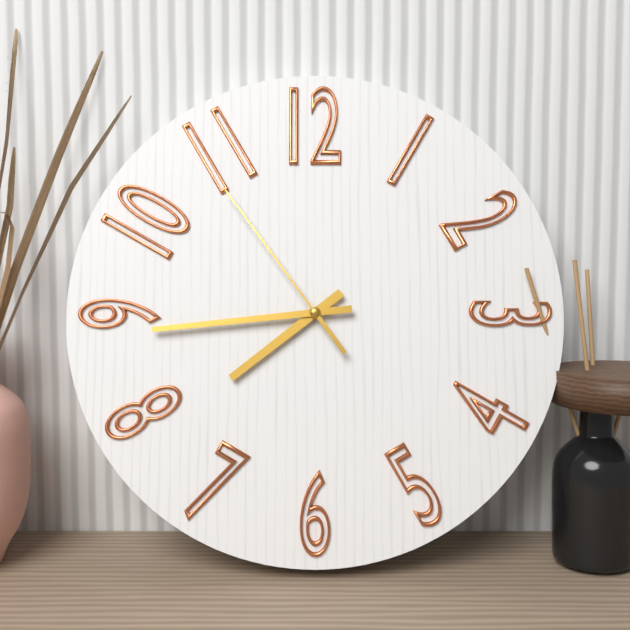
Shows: 7:44:54
